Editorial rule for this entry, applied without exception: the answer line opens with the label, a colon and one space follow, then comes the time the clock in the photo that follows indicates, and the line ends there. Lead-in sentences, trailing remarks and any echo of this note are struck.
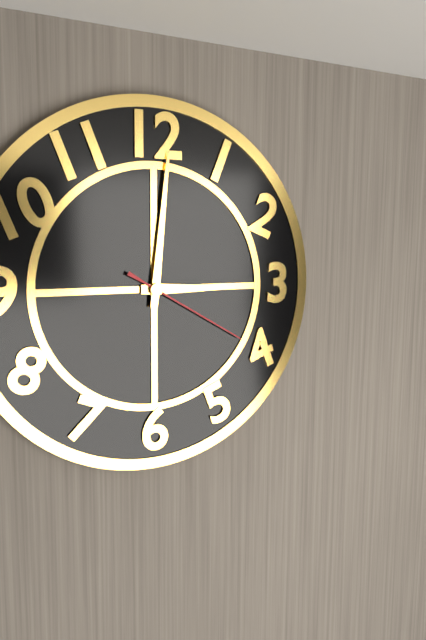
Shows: 3:01:20
